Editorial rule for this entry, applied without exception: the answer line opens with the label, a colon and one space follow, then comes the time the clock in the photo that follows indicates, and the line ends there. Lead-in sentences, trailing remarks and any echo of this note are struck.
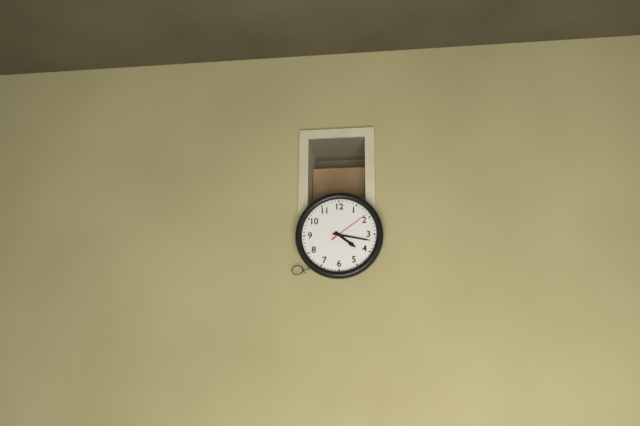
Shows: 4:17
